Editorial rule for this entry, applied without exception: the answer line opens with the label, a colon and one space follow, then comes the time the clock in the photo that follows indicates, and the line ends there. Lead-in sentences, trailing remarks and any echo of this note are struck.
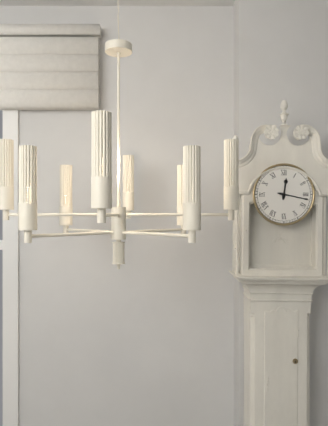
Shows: 12:17
